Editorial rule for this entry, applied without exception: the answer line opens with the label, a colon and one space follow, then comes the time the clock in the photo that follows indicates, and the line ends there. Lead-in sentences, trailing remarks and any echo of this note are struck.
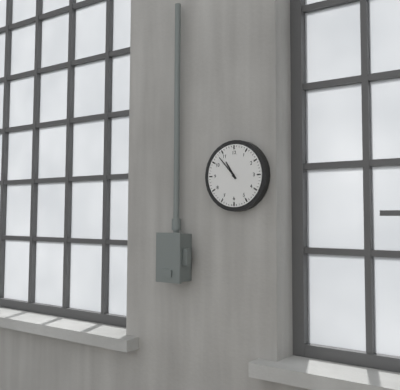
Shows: 10:53
